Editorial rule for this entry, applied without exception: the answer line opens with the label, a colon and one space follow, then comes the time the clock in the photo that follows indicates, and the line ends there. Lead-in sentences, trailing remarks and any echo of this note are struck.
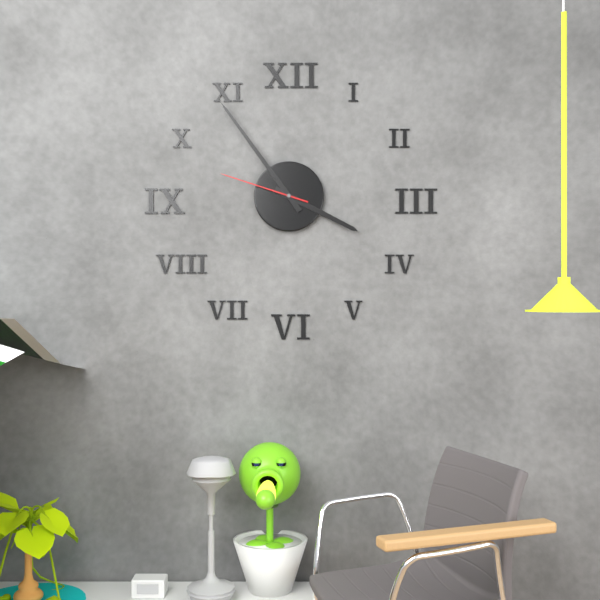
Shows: 3:54:48
